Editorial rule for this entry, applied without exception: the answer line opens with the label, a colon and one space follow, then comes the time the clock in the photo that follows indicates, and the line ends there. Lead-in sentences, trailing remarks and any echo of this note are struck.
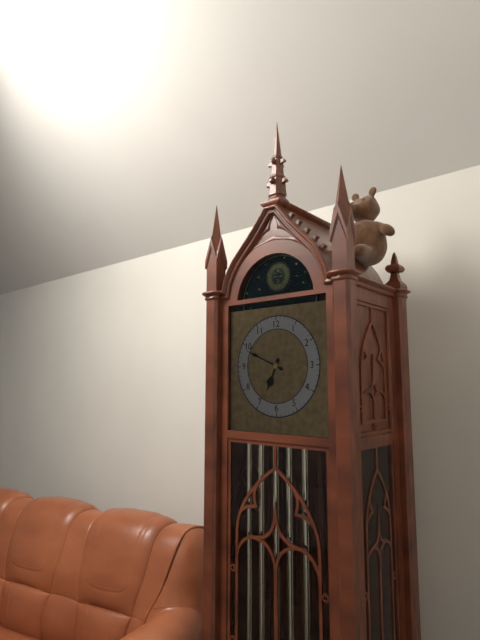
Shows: 6:49
